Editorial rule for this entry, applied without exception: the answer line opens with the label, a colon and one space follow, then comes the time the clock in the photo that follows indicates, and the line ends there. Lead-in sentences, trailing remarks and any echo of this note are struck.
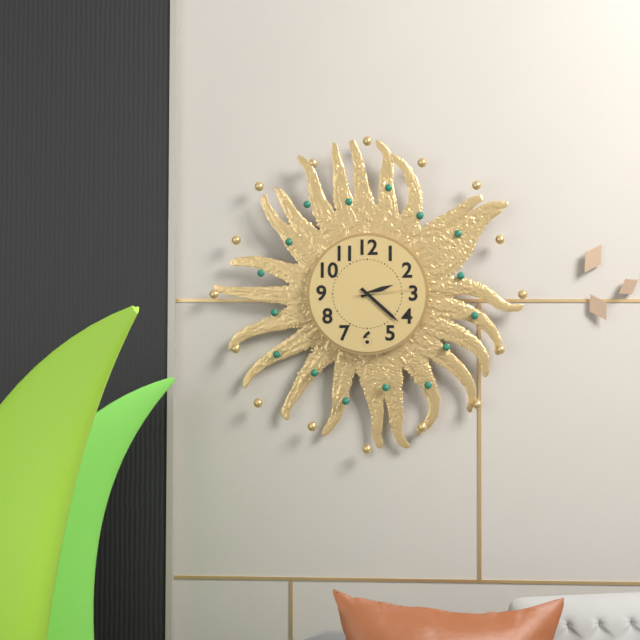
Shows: 2:22:14
